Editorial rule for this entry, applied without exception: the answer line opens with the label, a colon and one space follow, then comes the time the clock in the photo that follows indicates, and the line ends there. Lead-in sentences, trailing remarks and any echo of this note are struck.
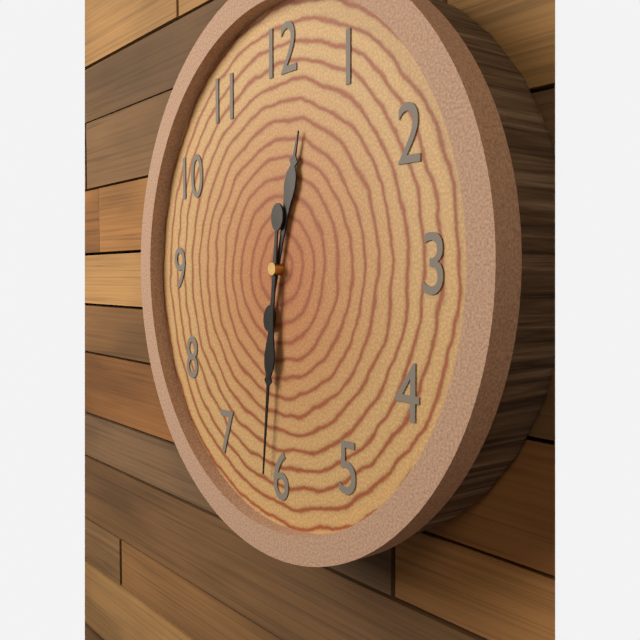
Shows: 12:31
